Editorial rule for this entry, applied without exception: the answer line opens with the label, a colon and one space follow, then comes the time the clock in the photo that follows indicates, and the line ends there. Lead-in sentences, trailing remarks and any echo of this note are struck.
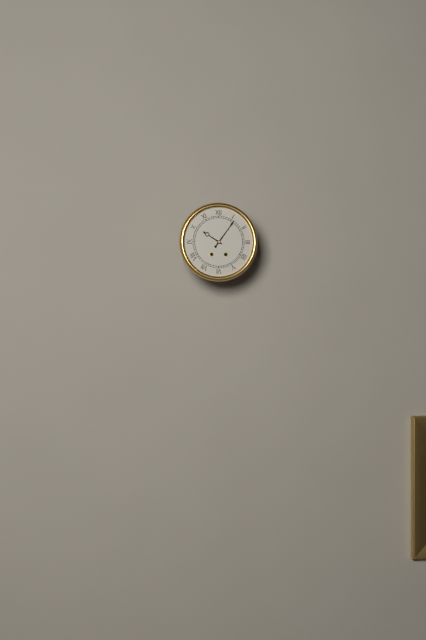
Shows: 10:06
